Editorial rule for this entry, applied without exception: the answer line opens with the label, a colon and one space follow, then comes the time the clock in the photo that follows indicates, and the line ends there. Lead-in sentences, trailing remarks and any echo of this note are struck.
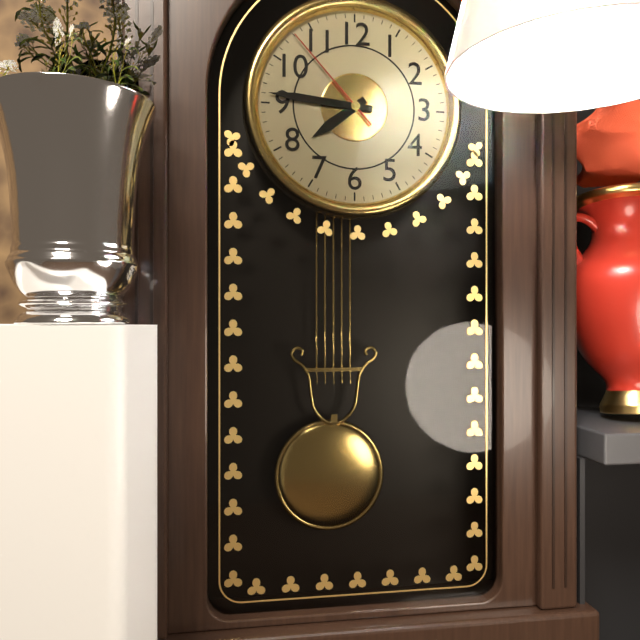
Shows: 7:46:53
